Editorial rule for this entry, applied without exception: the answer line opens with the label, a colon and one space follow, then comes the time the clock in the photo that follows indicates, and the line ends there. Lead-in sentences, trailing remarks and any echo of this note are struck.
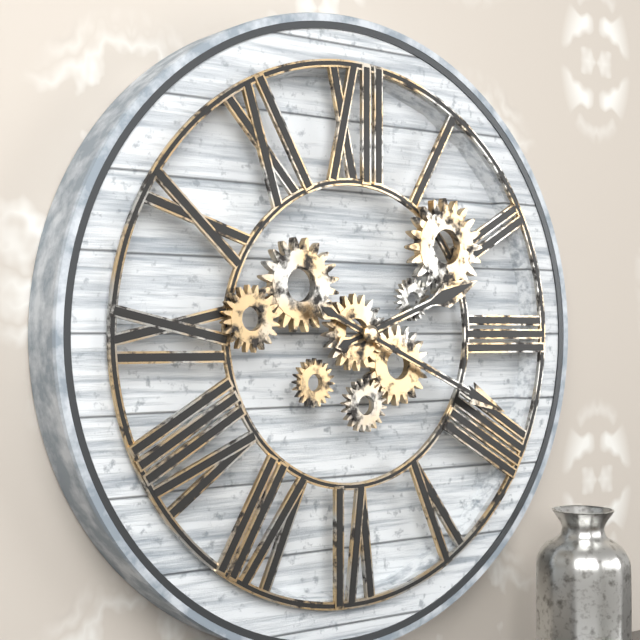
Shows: 2:19
